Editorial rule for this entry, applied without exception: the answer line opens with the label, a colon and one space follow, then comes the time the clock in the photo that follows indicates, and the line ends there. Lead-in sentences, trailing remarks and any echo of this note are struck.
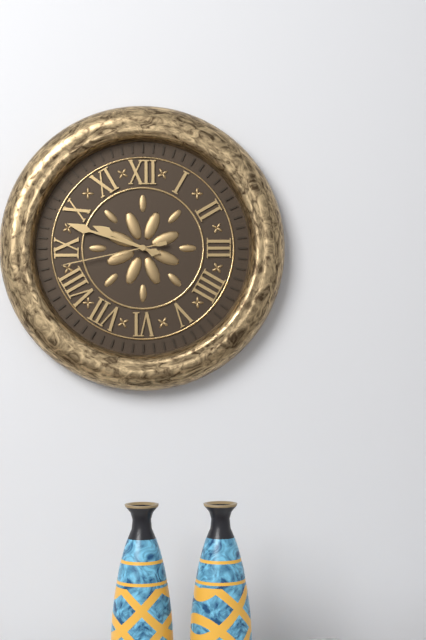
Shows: 9:48:43
